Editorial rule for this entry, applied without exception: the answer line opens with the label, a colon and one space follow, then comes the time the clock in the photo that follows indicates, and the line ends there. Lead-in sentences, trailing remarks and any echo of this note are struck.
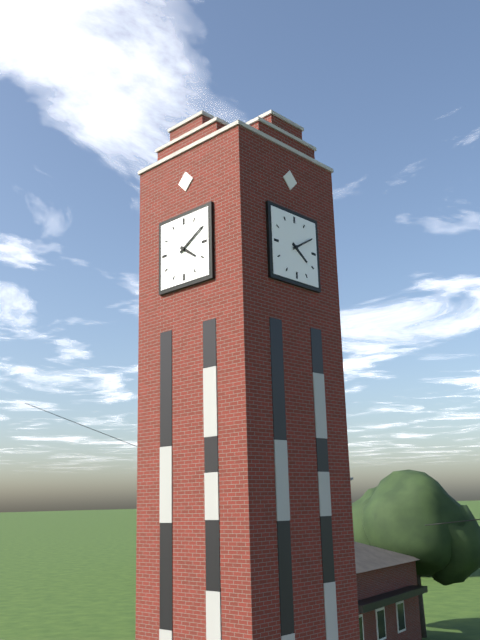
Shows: 4:10
